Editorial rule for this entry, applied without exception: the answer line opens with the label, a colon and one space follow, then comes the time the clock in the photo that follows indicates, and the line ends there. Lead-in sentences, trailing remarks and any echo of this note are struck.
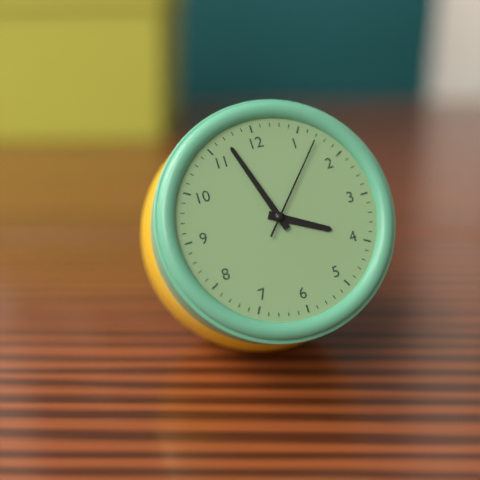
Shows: 3:57:07
